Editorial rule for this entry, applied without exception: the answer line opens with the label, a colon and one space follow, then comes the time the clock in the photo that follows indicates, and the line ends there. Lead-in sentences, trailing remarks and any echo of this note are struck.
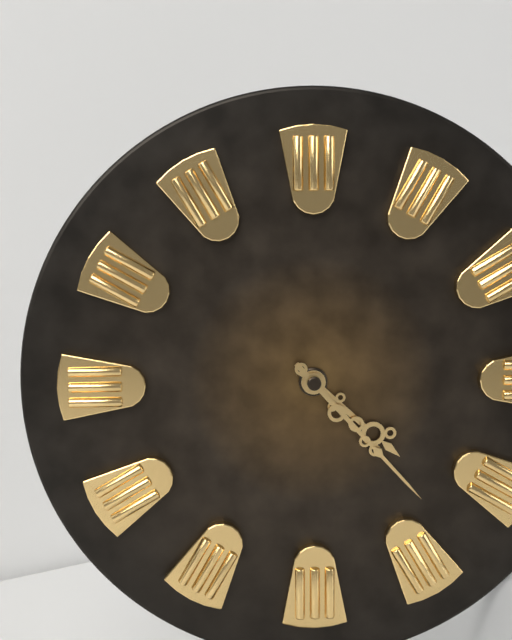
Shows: 4:23
